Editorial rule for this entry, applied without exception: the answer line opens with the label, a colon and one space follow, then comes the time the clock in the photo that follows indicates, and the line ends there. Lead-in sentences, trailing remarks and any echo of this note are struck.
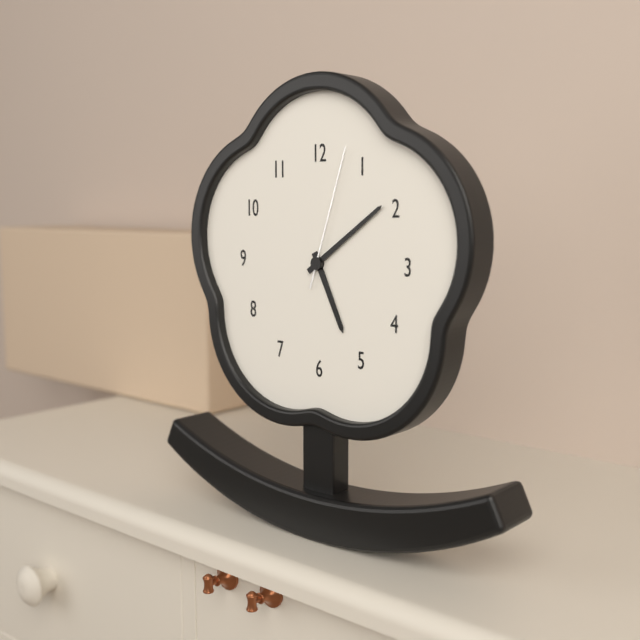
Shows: 5:09:03
